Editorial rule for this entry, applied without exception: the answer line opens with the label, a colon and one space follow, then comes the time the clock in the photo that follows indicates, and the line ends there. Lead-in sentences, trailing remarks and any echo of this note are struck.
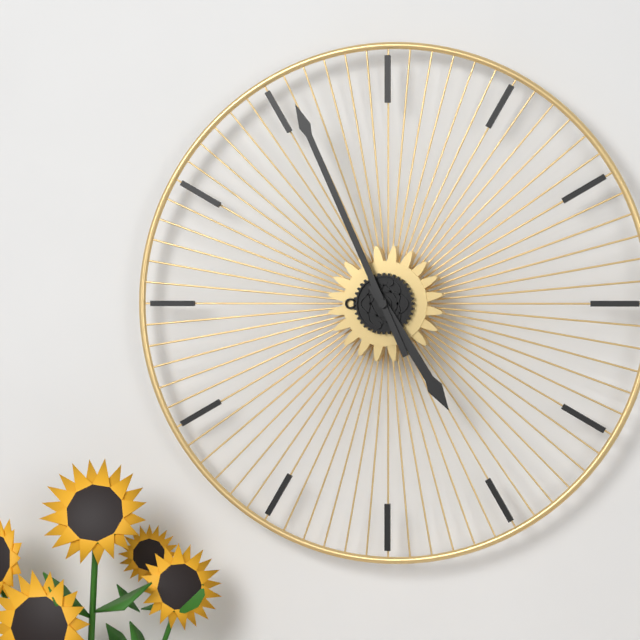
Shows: 4:56
